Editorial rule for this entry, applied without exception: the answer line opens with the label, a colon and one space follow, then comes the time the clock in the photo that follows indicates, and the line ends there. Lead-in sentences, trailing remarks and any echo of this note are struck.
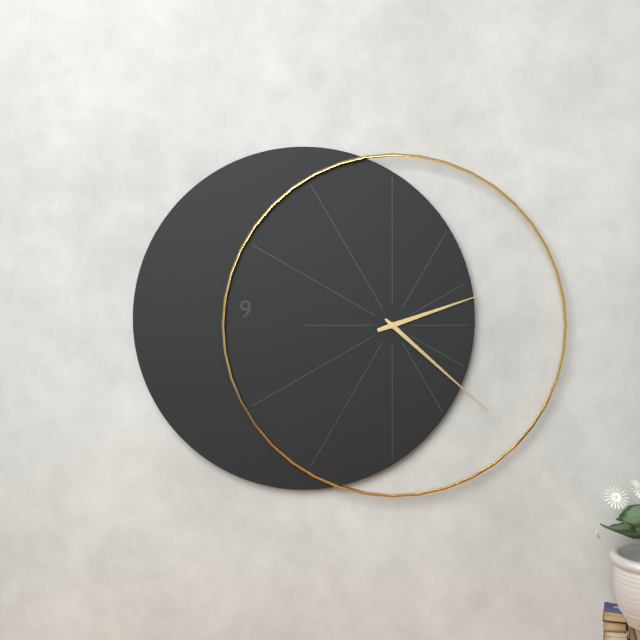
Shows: 2:22
